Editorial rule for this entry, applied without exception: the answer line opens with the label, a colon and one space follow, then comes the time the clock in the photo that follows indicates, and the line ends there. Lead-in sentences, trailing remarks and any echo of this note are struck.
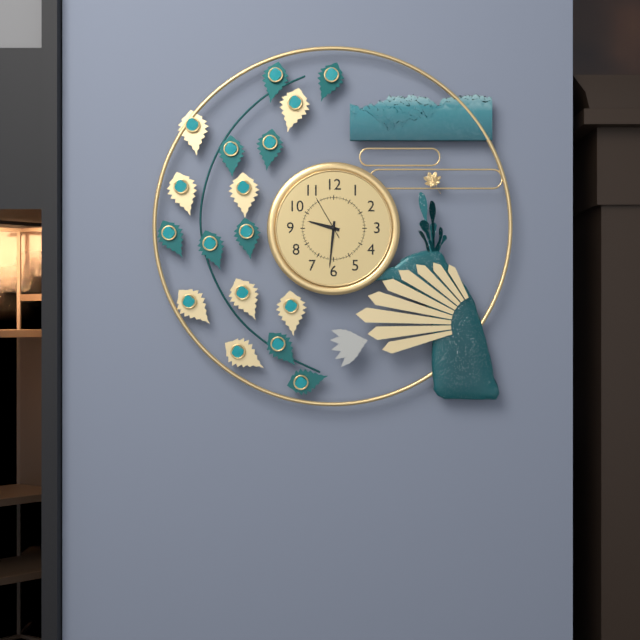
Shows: 9:31
